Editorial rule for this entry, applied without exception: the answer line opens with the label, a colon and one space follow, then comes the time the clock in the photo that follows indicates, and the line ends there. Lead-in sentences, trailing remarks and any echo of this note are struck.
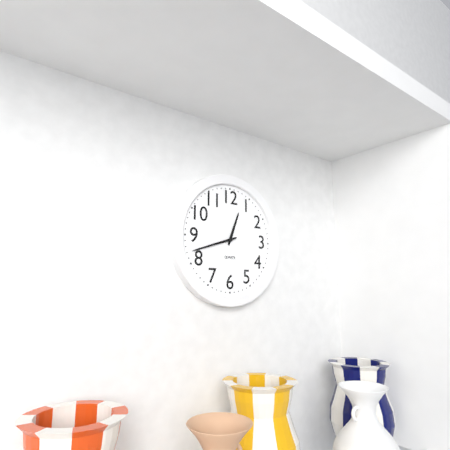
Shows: 12:42
